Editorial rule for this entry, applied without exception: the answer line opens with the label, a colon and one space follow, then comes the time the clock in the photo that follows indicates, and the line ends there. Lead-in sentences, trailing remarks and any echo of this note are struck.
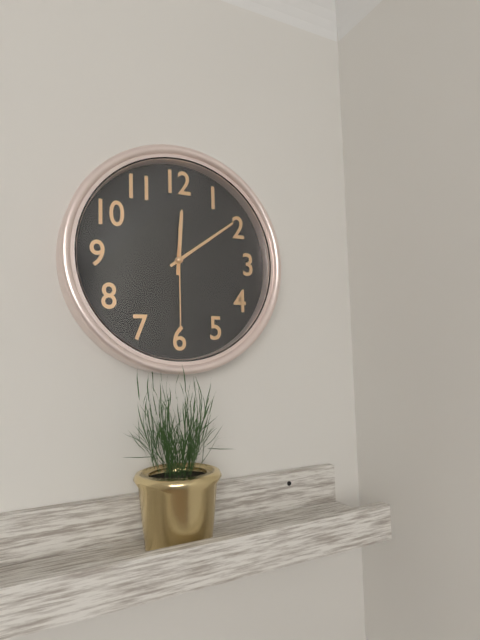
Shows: 12:09:30
